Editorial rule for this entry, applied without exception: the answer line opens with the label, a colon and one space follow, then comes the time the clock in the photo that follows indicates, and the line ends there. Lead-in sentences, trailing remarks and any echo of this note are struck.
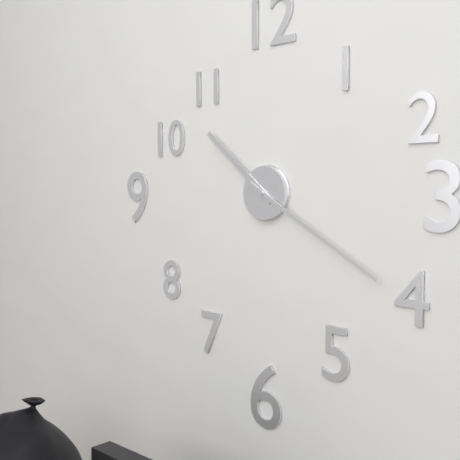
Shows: 10:20
